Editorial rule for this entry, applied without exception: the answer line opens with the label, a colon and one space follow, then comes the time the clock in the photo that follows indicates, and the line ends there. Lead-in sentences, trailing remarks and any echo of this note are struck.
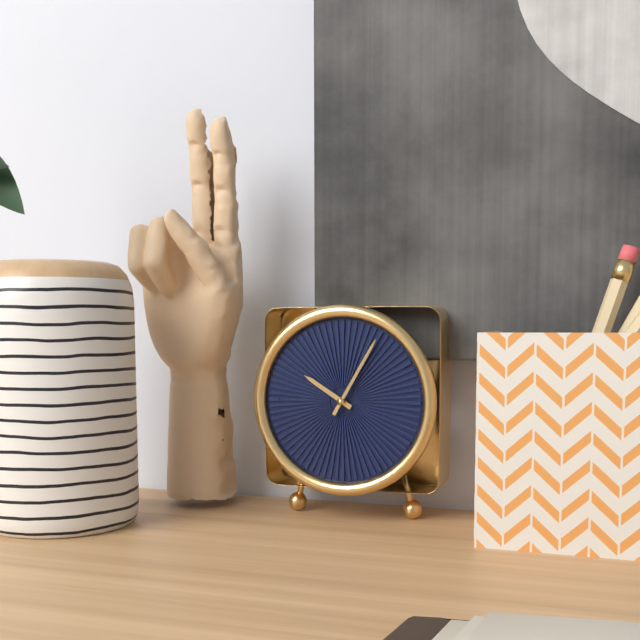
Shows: 10:05
